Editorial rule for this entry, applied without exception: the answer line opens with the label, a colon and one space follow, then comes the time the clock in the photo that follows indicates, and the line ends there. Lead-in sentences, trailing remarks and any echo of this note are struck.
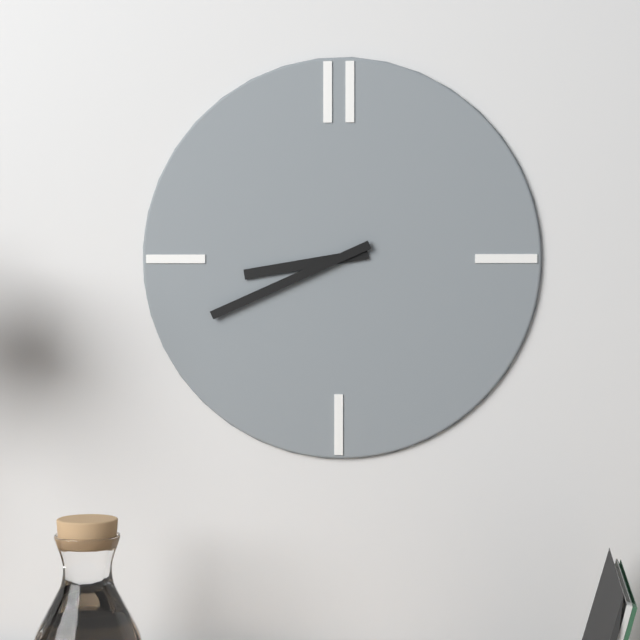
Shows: 8:41
